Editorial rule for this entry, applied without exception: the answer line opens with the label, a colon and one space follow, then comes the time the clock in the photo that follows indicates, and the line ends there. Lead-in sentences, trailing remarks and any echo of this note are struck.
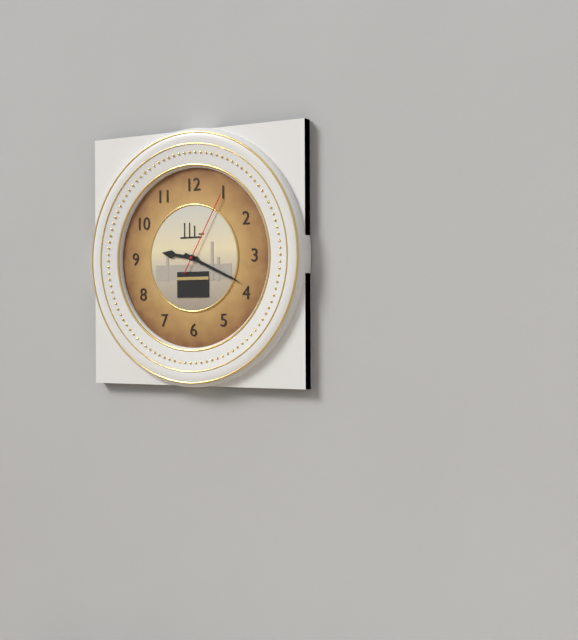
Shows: 9:19:05
